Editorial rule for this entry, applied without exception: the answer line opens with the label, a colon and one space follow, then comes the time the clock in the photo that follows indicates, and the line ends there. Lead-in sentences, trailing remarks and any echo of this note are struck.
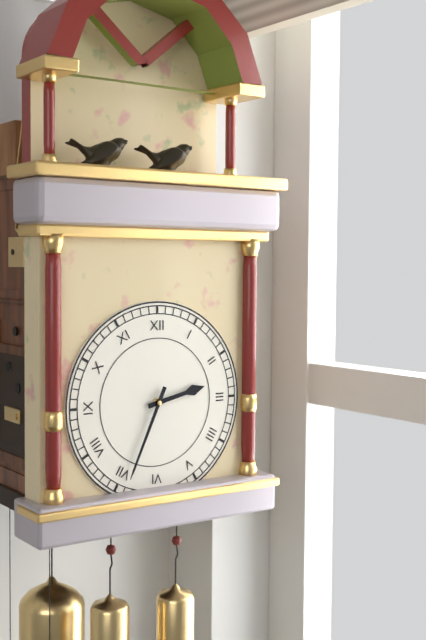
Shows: 2:34
